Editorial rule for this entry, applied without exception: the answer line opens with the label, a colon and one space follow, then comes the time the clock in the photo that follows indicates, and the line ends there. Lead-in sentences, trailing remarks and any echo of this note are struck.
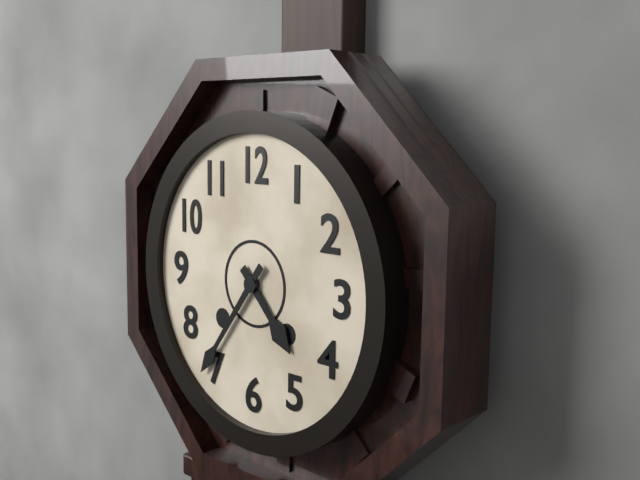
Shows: 4:36
